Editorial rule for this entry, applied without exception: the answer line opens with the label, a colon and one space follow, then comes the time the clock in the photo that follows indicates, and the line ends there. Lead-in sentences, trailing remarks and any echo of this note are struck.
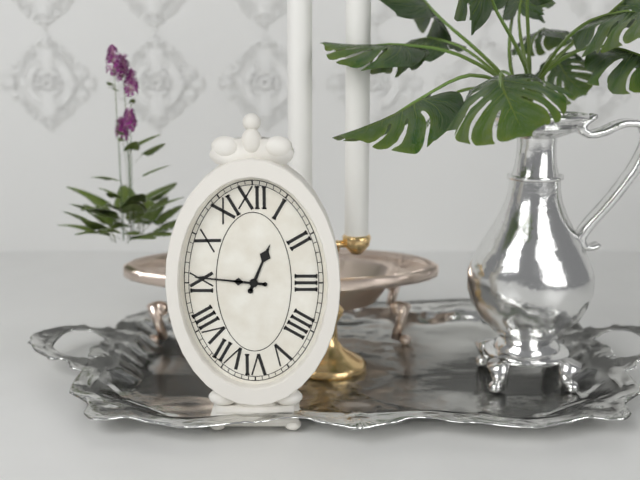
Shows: 12:46
